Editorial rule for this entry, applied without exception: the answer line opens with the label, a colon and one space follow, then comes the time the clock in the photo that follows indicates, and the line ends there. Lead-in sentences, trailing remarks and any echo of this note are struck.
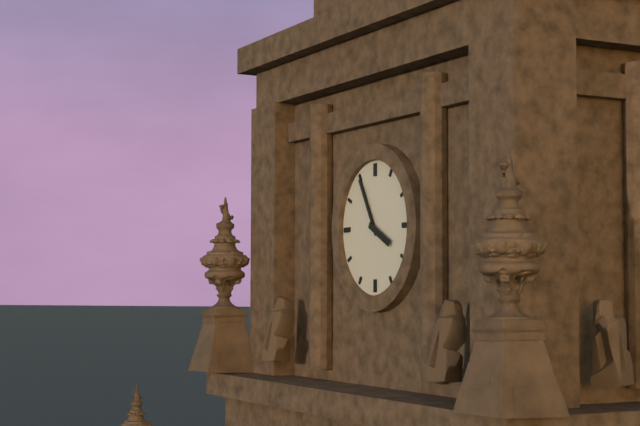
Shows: 3:55
